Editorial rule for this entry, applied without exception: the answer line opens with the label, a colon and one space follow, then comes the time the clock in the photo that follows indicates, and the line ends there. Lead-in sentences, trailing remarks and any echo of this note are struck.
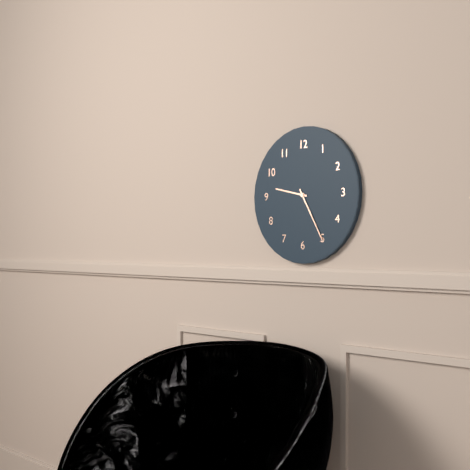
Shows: 9:25
